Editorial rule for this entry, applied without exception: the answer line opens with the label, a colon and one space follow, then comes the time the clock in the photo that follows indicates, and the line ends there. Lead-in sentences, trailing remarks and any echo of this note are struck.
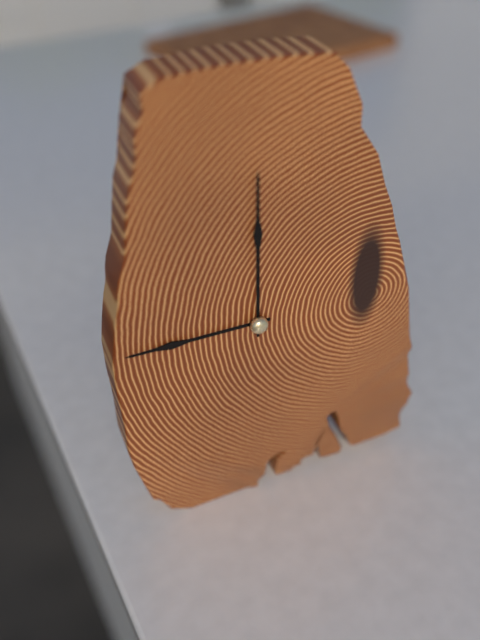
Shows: 9:00
